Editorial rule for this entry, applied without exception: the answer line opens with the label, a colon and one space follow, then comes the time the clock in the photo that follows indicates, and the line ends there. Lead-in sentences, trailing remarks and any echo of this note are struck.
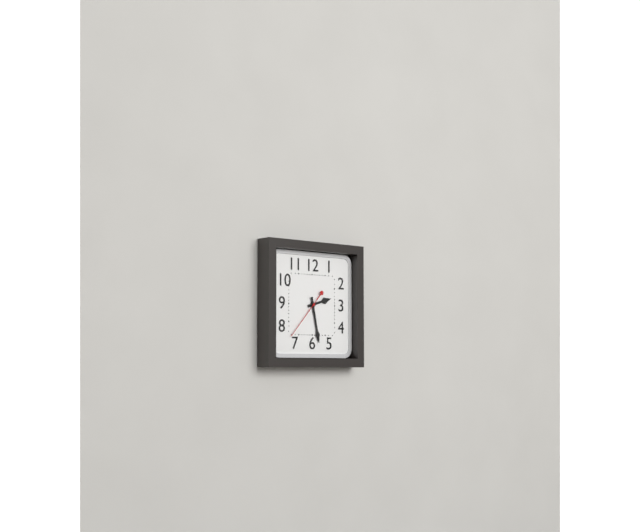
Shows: 2:28
